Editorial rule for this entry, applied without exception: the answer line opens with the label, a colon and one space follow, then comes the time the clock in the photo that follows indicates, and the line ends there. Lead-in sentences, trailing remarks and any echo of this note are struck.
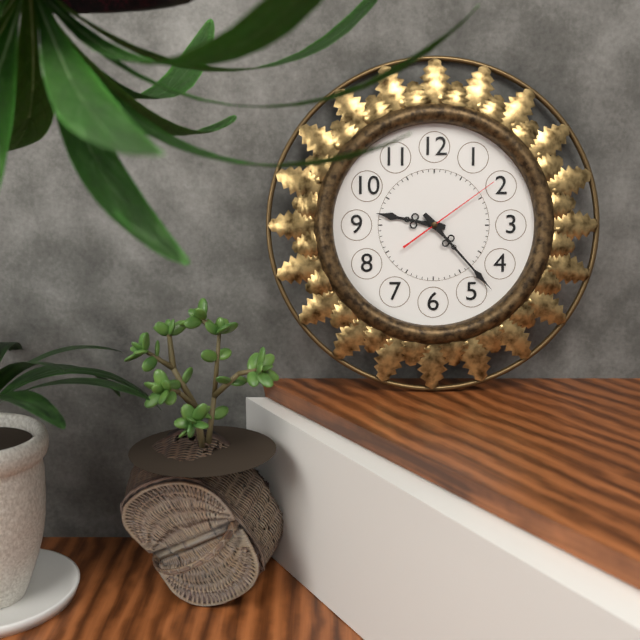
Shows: 9:23:09
